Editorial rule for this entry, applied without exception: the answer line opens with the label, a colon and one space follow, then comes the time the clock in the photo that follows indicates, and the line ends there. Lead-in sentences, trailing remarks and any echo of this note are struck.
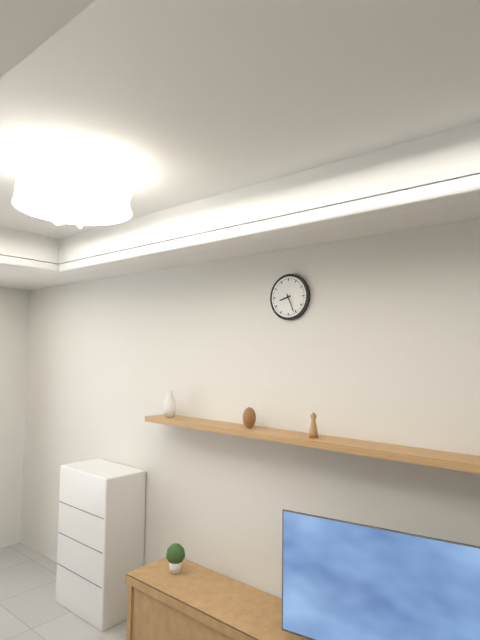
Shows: 8:26
